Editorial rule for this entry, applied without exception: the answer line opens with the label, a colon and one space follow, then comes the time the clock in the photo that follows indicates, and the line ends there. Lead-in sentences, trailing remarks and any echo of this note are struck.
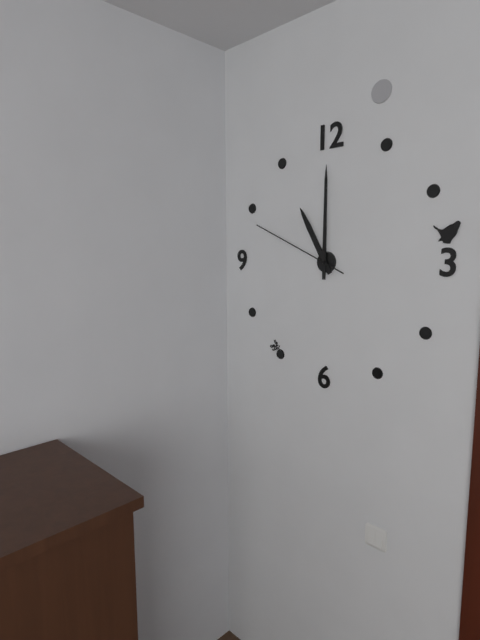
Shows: 11:00:49
